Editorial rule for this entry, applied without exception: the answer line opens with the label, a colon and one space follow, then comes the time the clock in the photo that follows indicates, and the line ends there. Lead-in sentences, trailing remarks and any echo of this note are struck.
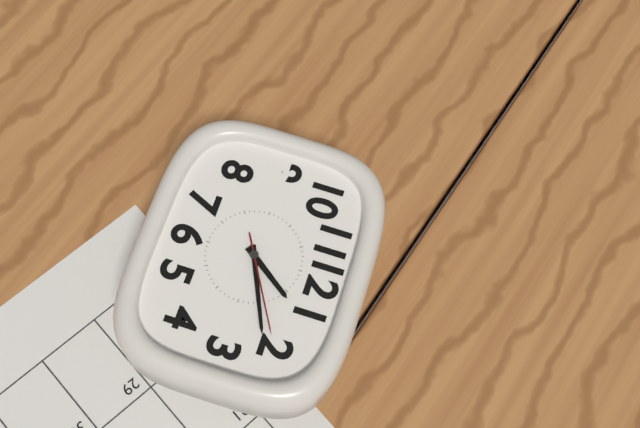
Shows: 1:11:10
